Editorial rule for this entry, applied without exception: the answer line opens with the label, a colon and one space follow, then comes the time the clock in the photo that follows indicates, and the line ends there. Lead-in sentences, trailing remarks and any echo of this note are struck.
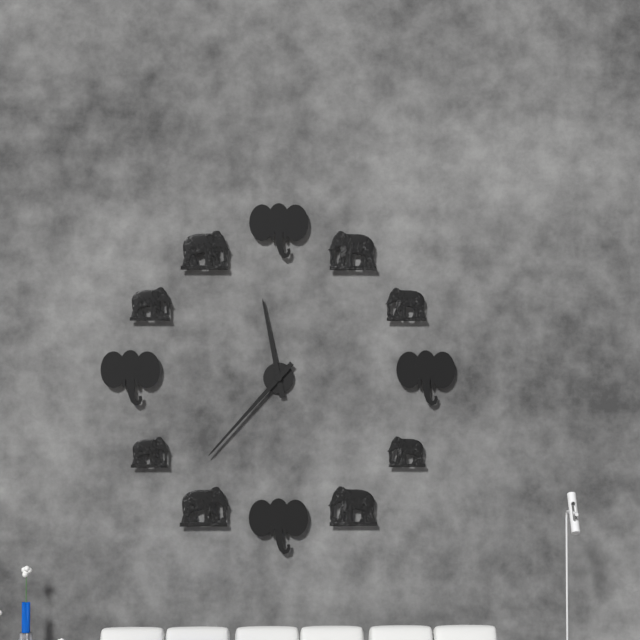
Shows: 11:37
